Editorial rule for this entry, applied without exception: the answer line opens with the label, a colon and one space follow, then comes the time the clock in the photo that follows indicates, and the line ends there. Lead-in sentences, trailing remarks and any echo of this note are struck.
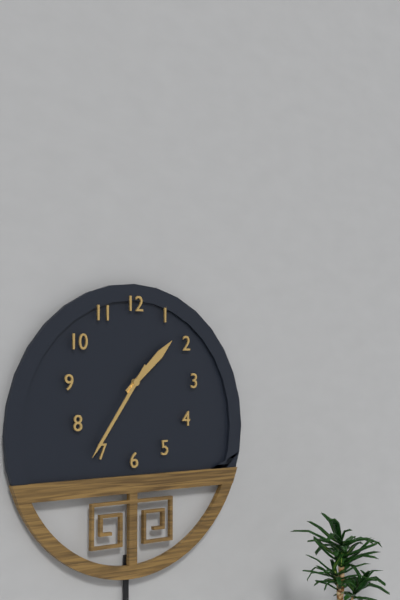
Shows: 1:36
